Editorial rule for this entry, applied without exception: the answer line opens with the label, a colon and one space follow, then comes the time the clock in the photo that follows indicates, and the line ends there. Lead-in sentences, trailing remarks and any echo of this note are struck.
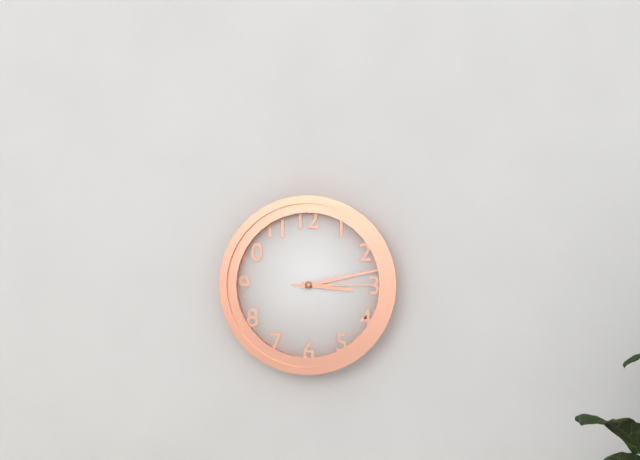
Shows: 3:13:15
